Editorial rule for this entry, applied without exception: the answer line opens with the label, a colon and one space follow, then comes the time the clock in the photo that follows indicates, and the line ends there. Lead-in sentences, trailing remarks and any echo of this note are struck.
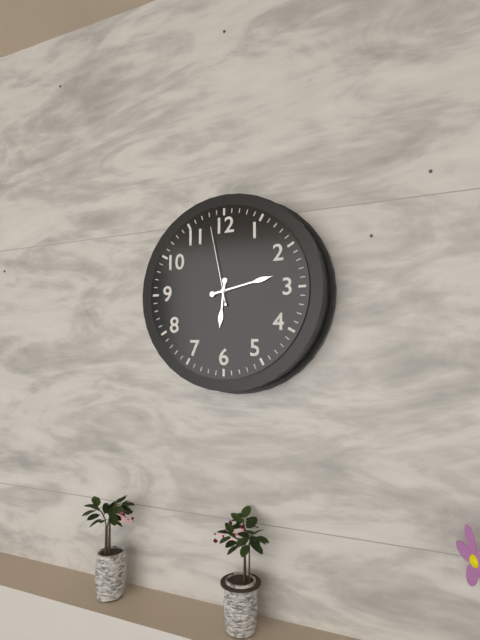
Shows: 6:13:58
